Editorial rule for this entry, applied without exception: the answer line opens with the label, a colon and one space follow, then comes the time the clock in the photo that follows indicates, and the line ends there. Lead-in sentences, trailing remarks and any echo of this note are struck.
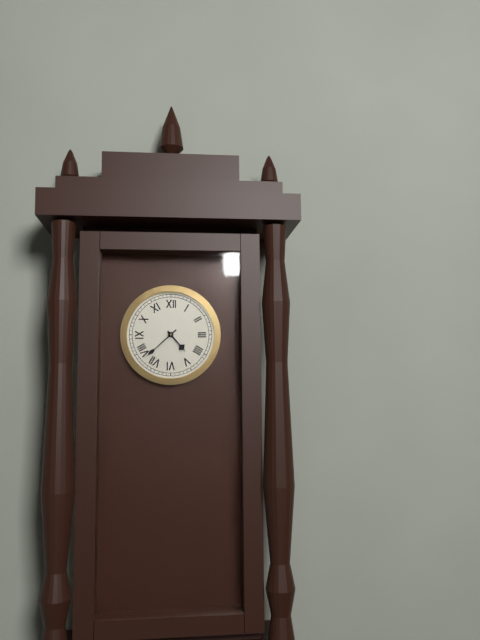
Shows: 4:38
